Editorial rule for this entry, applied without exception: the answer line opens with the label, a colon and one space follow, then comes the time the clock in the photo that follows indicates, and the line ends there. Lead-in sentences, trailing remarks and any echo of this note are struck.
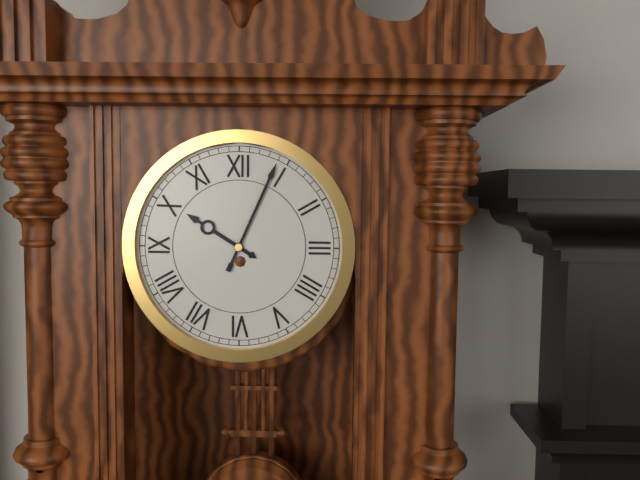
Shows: 10:04
